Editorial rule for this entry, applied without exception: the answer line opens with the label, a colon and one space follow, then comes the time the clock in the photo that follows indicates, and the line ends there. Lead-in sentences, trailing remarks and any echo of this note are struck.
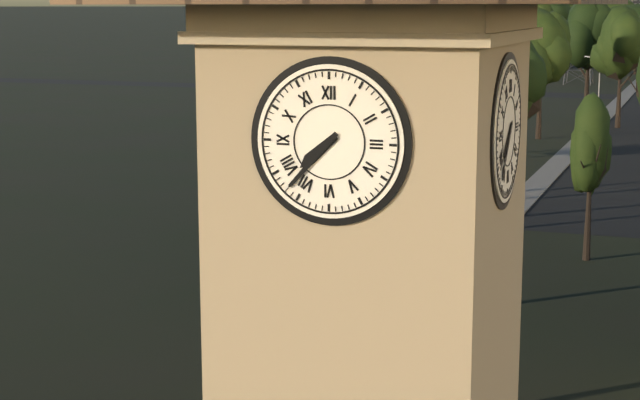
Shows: 7:37
